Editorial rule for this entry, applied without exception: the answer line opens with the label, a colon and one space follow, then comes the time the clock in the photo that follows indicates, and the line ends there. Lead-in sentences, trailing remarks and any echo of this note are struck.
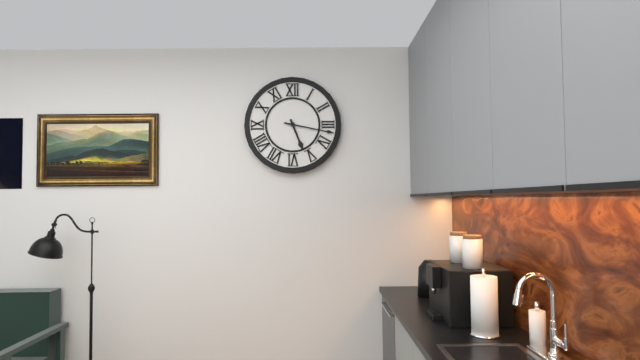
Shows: 5:17
